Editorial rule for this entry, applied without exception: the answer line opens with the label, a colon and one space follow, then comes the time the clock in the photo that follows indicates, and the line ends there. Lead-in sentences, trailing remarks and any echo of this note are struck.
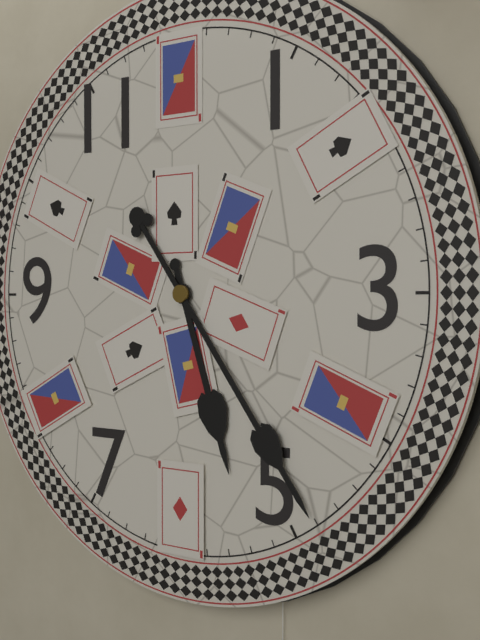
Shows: 5:24
